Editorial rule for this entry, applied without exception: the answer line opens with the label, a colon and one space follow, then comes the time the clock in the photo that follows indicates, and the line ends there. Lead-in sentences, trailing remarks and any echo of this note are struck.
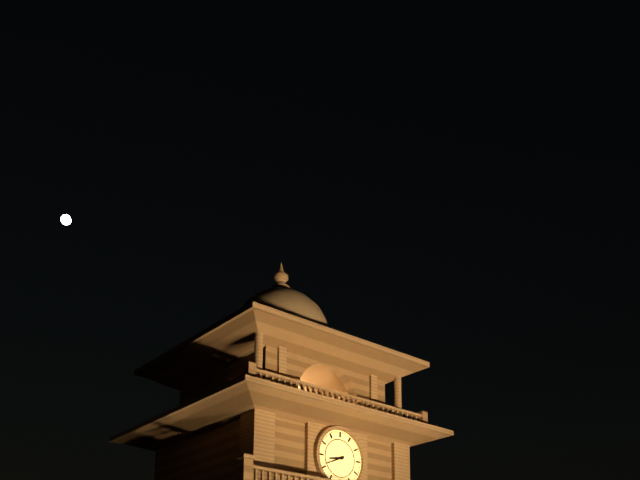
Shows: 8:41
